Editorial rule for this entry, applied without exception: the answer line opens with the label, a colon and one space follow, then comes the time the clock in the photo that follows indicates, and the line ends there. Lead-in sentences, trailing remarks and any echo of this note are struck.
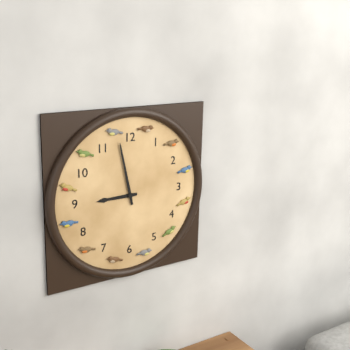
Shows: 8:58
